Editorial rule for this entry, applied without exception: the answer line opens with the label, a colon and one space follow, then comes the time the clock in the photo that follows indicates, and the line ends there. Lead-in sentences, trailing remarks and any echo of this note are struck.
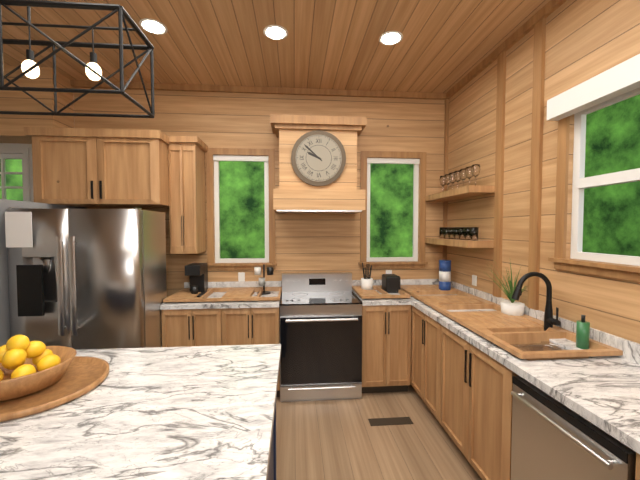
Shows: 9:52
